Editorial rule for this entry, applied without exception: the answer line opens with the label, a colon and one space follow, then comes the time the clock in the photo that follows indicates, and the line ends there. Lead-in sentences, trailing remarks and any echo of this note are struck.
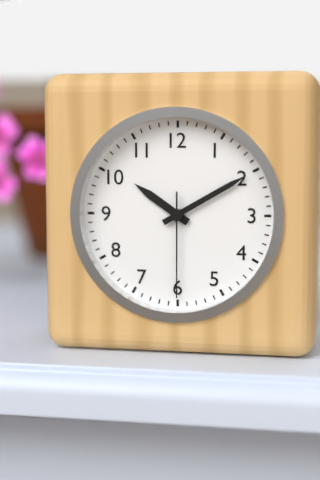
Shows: 10:10:30
